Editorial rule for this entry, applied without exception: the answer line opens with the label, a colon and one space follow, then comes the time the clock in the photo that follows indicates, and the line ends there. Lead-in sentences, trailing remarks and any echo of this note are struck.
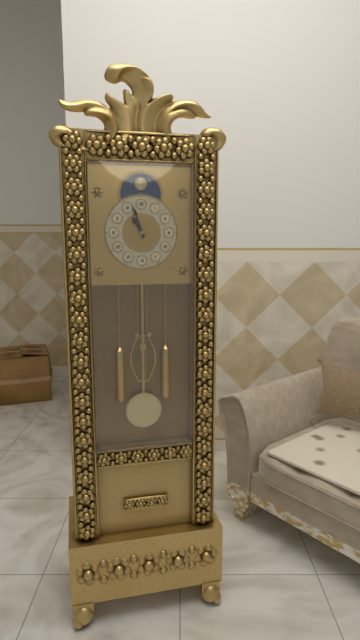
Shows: 10:57
